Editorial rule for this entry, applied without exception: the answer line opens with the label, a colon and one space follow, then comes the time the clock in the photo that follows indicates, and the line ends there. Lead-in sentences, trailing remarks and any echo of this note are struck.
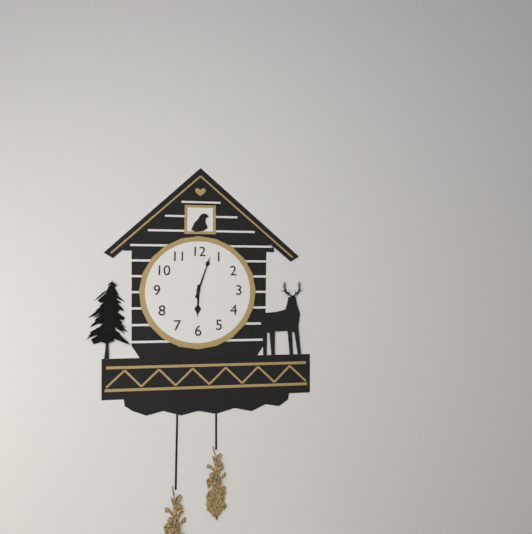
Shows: 6:03
